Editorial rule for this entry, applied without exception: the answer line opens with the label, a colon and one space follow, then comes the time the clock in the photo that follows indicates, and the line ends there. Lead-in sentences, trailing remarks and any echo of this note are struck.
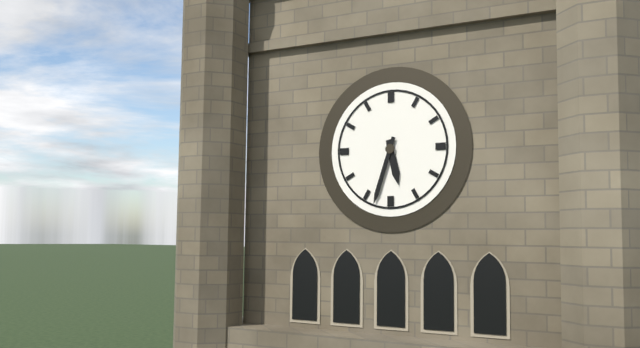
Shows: 5:33
